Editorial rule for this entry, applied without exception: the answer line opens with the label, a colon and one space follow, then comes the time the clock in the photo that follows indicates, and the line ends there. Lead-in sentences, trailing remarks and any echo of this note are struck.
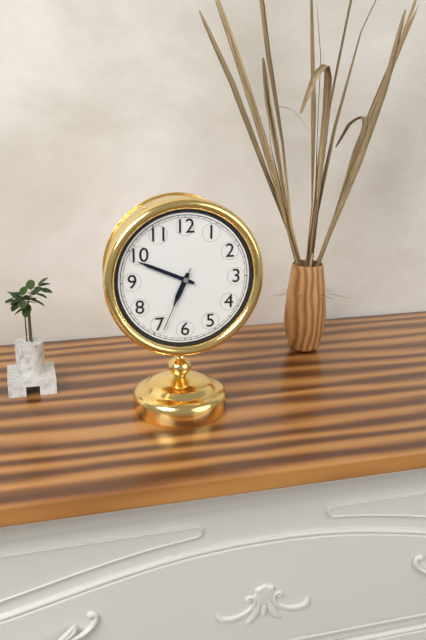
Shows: 6:49:34
